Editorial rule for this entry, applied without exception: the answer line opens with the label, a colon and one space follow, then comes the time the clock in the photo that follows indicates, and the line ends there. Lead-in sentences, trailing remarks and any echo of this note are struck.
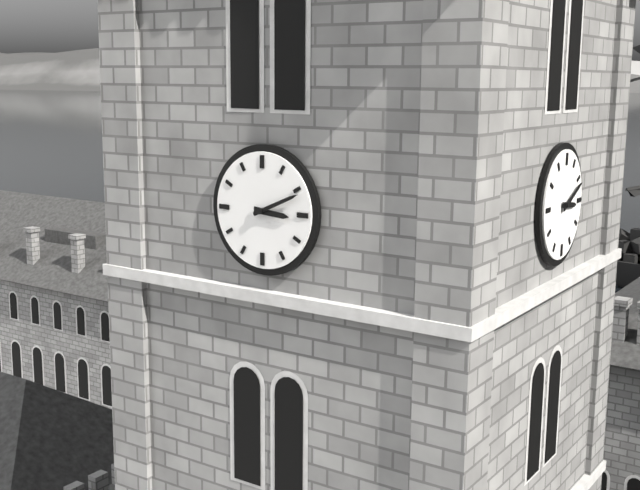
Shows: 3:11
